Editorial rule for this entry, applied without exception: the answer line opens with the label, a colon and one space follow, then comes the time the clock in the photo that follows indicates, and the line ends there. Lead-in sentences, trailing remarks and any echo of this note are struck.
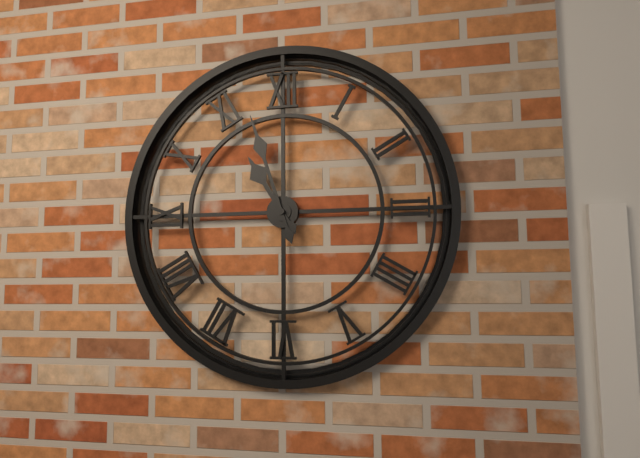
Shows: 10:57
